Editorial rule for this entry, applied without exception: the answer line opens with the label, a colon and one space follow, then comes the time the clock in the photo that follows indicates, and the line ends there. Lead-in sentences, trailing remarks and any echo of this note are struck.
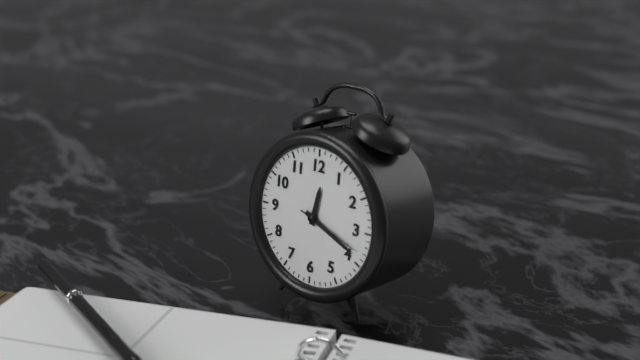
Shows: 12:19:18
